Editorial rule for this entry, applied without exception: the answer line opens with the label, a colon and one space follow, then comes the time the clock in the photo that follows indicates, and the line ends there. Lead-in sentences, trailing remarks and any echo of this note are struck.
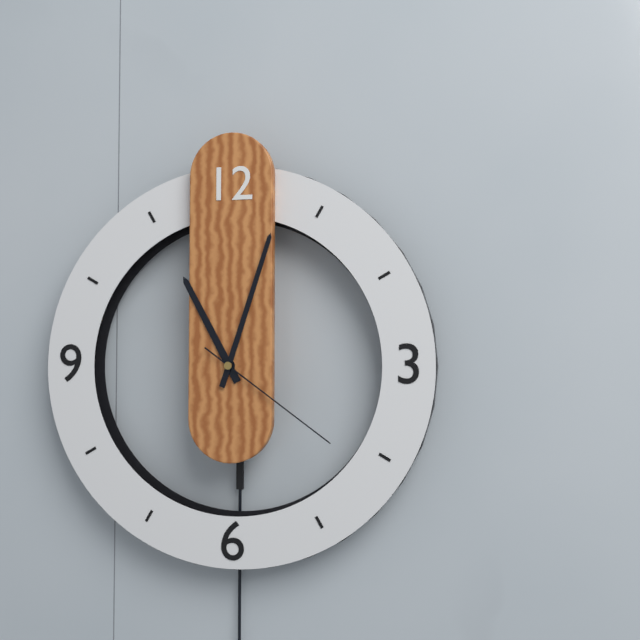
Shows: 11:03:21
